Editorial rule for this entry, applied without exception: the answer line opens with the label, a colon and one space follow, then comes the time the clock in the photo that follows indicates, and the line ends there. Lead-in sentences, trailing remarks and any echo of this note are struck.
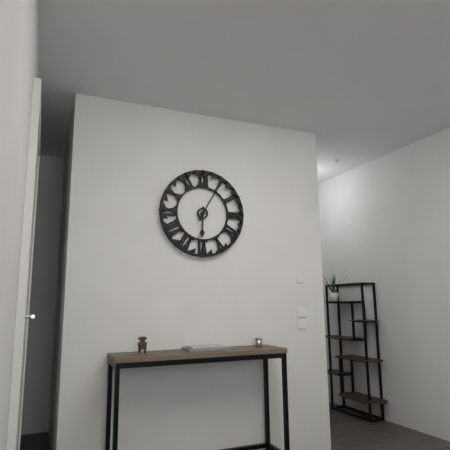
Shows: 6:05
